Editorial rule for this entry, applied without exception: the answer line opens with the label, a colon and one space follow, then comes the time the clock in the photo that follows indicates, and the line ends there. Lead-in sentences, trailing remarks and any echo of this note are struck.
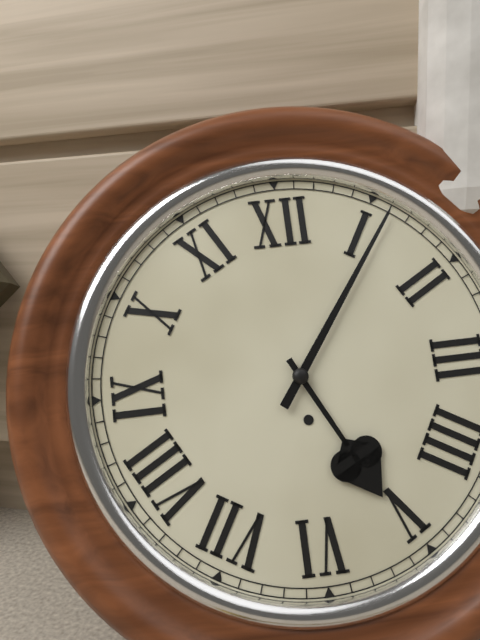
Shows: 5:06
